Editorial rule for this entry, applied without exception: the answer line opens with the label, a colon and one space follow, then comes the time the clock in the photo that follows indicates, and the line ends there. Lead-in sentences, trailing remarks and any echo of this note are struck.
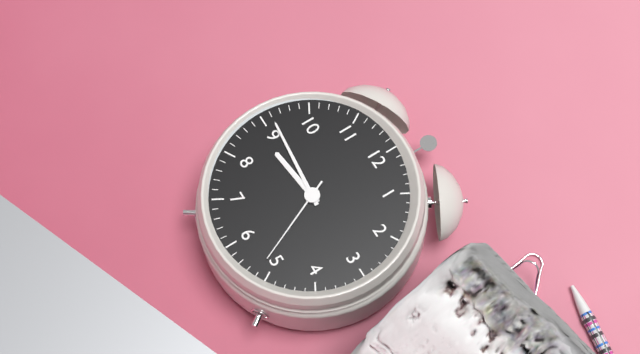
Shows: 8:46:26
